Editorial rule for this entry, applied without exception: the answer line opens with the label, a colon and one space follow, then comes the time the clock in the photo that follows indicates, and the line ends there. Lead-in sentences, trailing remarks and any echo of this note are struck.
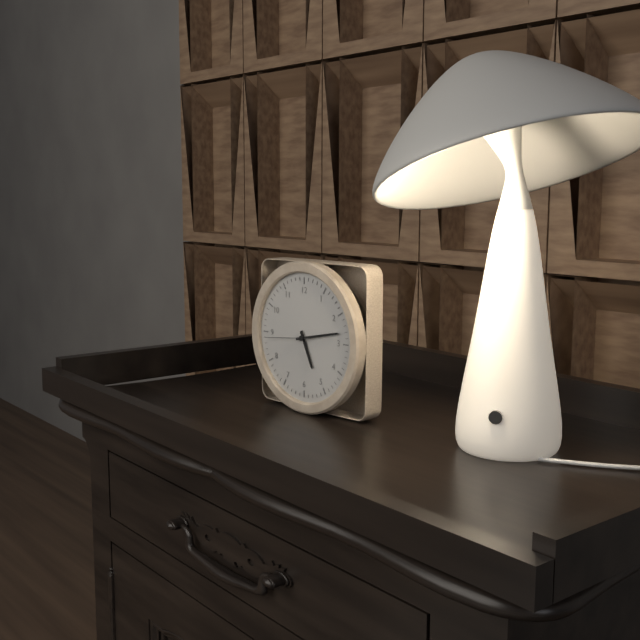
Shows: 5:13:44
